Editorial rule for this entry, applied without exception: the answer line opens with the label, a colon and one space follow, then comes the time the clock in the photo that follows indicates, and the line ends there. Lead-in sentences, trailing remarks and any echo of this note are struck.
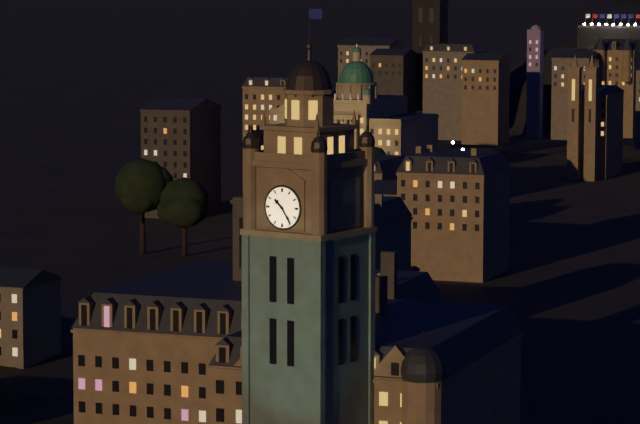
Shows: 10:24
